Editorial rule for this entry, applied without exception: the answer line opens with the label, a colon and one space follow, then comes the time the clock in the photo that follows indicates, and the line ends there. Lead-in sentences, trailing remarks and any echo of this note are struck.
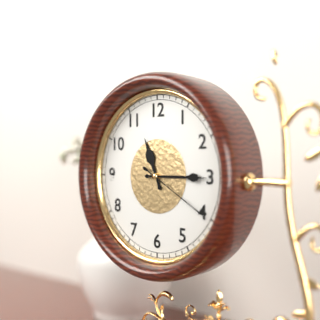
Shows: 11:15:20
